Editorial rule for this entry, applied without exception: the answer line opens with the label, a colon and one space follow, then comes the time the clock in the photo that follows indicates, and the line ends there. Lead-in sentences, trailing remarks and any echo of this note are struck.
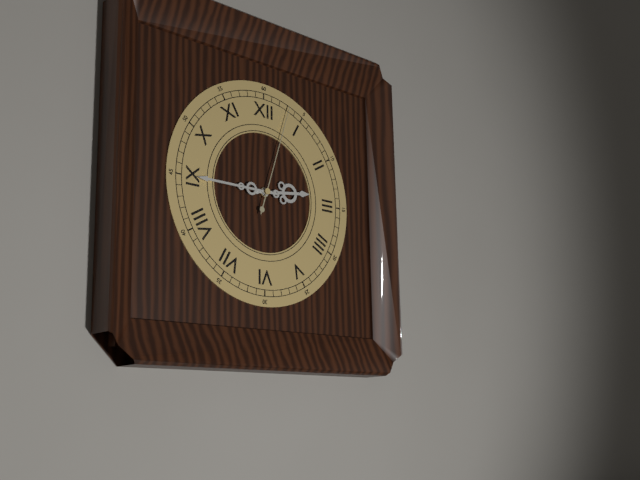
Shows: 2:45:03
